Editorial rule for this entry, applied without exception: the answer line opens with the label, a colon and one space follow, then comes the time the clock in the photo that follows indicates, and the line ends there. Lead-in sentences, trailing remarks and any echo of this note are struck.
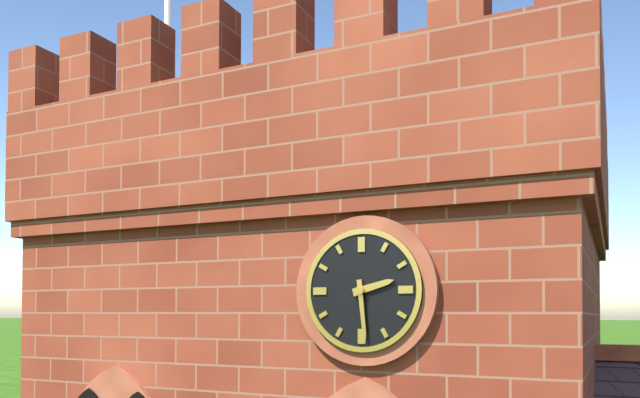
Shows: 2:29
